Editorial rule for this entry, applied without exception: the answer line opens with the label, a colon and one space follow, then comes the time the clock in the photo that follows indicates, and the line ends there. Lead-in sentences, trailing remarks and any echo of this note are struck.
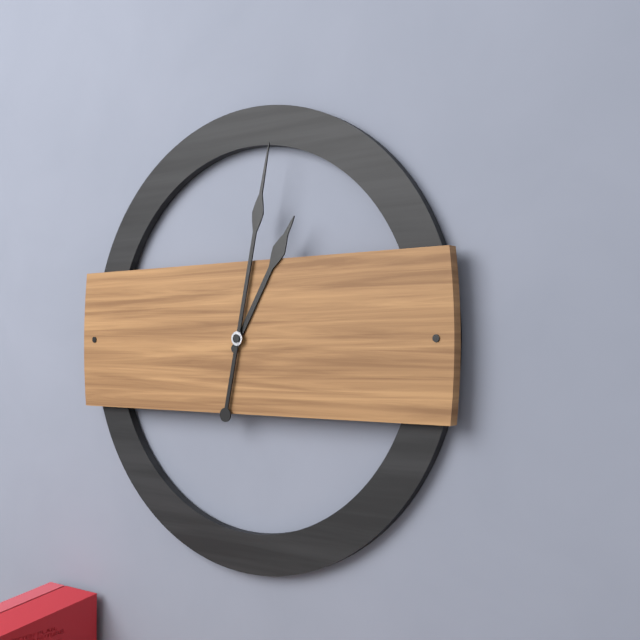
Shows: 1:02
